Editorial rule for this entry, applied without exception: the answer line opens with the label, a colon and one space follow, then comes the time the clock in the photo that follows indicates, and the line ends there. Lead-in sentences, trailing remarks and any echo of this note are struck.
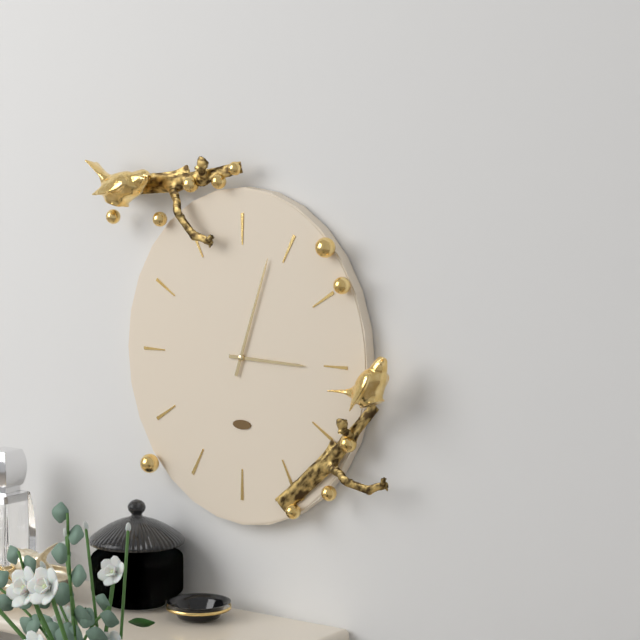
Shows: 3:03
